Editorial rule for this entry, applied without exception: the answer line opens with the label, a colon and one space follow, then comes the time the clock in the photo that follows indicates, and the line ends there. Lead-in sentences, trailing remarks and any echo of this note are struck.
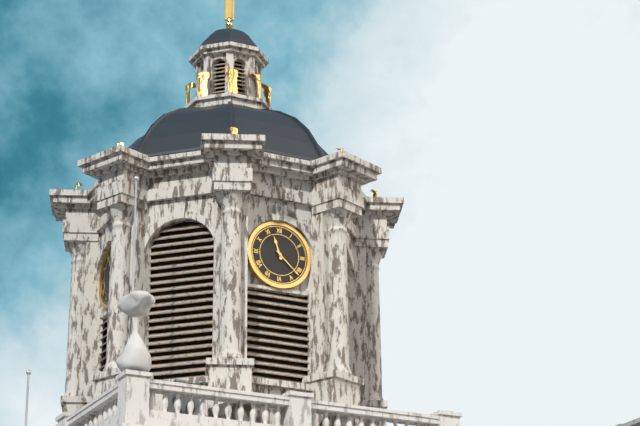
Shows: 11:22
